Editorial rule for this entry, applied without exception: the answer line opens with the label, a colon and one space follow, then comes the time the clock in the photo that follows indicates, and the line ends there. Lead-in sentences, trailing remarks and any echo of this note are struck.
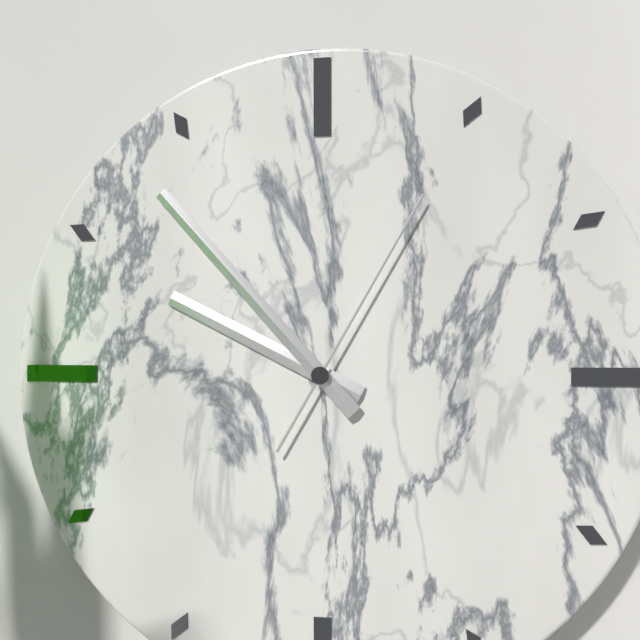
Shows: 9:53:05
